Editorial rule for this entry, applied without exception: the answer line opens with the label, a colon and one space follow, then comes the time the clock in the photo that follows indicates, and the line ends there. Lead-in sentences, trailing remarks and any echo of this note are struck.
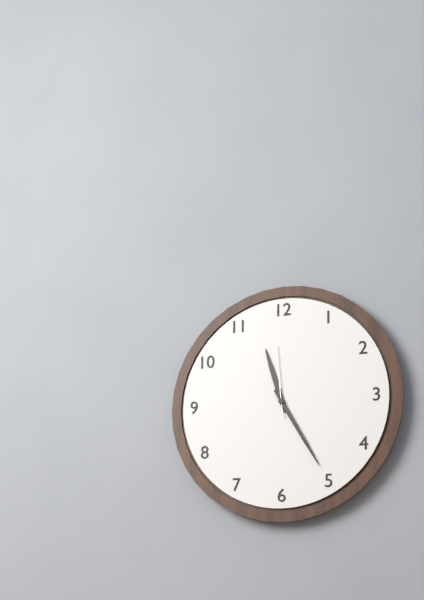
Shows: 11:25:59
